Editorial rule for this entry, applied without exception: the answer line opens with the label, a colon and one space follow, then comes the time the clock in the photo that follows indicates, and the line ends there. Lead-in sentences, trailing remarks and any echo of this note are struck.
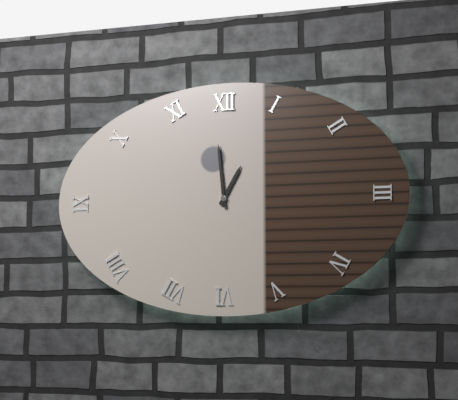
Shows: 12:59
